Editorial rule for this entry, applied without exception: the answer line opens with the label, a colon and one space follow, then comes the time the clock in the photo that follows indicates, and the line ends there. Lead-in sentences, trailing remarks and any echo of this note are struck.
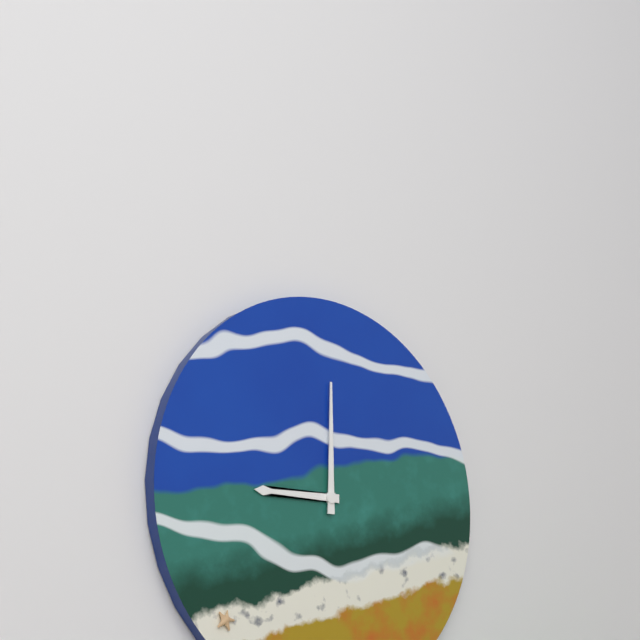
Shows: 9:00
